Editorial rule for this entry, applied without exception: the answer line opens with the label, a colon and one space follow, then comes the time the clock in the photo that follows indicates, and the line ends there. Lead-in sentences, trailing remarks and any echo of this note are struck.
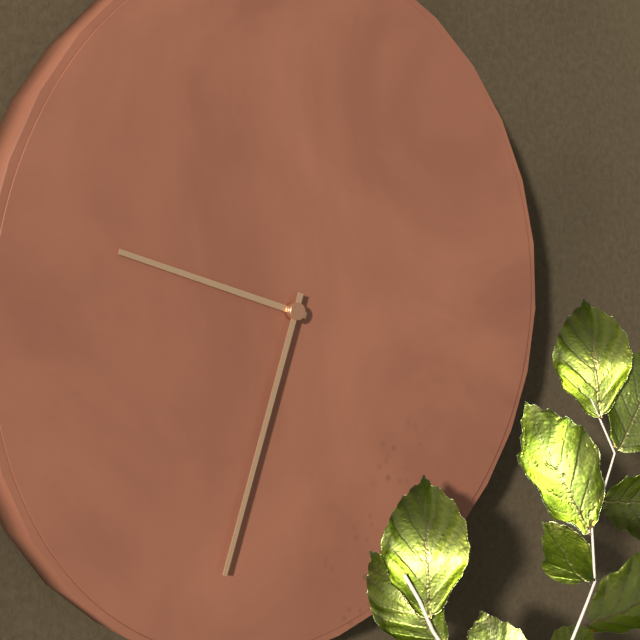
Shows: 9:33
